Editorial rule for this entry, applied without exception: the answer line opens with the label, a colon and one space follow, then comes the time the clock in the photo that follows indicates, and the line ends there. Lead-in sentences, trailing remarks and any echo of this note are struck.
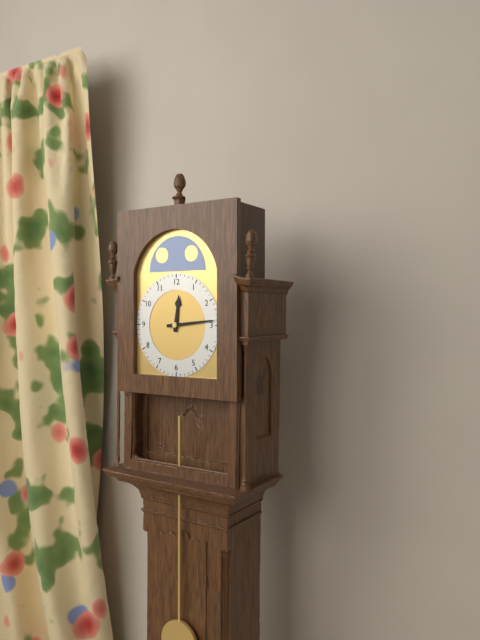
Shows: 12:14
